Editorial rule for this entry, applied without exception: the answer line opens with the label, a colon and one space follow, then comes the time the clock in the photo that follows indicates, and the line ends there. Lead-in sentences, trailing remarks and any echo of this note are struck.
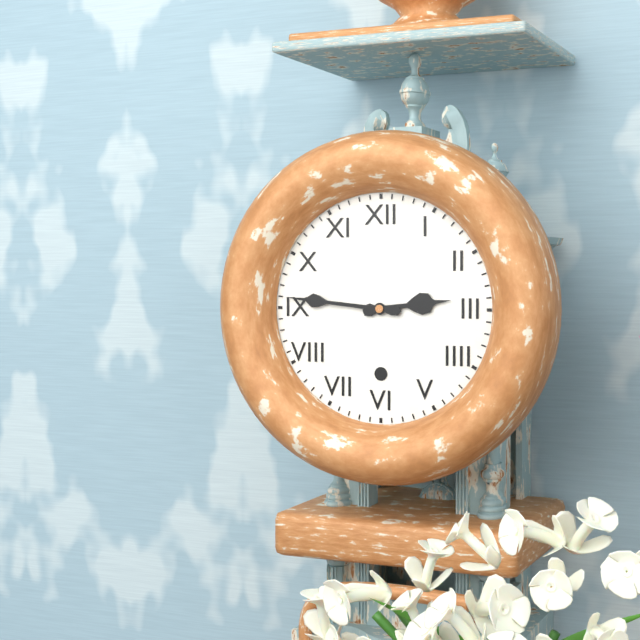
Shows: 2:46
